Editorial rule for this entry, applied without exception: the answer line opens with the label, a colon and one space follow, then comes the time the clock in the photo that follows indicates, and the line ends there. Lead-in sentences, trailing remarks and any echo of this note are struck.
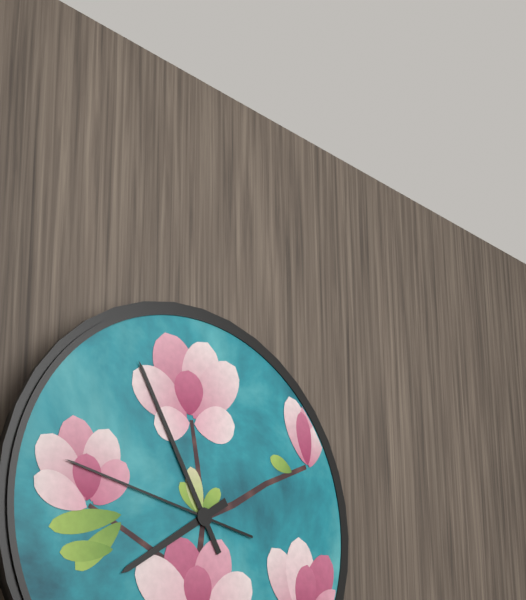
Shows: 7:55:47
